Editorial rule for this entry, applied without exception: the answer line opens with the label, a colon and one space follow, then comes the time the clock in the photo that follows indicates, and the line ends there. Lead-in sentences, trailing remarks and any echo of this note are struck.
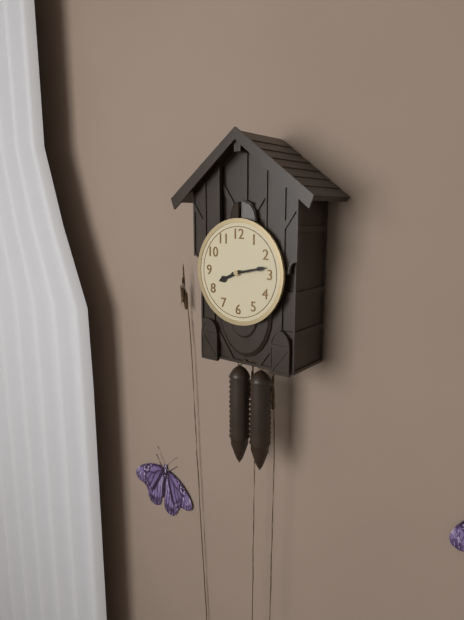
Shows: 8:13
